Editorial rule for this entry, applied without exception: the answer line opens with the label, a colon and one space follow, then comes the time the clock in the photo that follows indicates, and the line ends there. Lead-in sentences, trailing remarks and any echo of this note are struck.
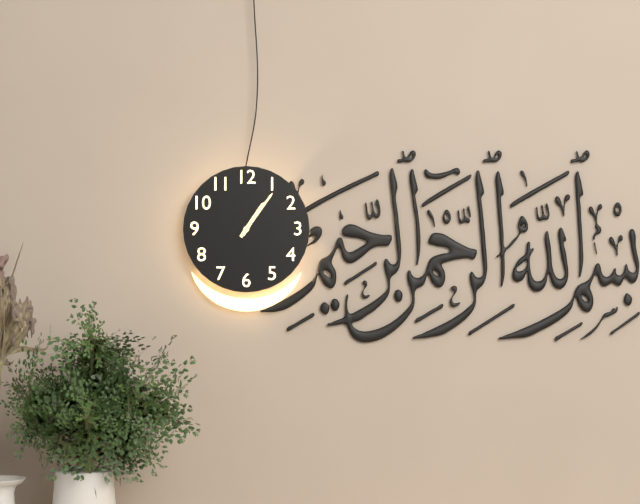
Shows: 1:06
